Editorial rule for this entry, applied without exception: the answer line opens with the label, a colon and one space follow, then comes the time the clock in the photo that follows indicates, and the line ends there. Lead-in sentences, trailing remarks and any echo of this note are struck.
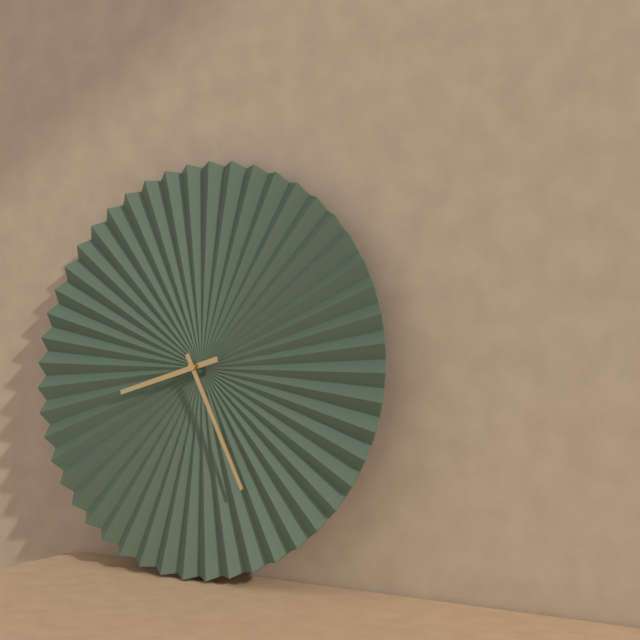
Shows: 8:25
